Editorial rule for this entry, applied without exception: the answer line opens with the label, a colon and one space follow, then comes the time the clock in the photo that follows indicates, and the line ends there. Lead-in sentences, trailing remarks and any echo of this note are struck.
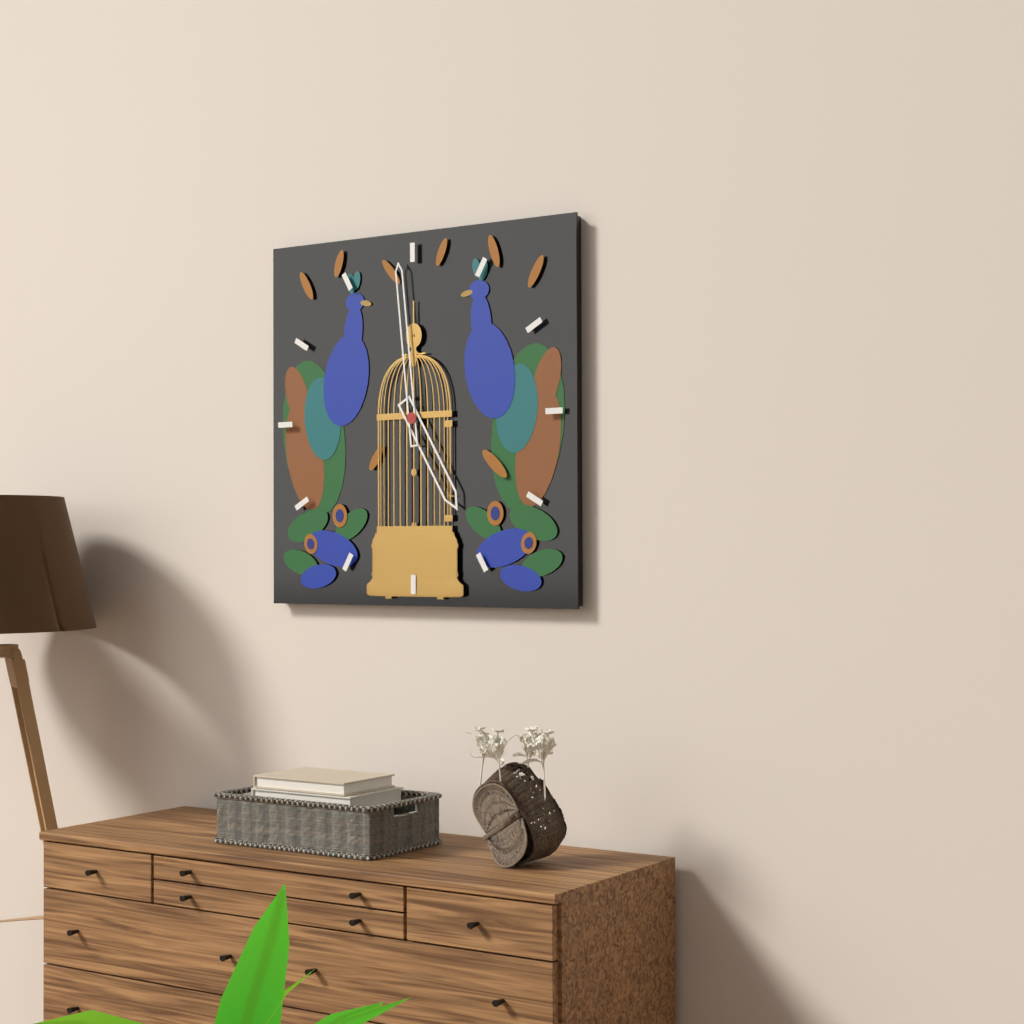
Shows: 4:59
